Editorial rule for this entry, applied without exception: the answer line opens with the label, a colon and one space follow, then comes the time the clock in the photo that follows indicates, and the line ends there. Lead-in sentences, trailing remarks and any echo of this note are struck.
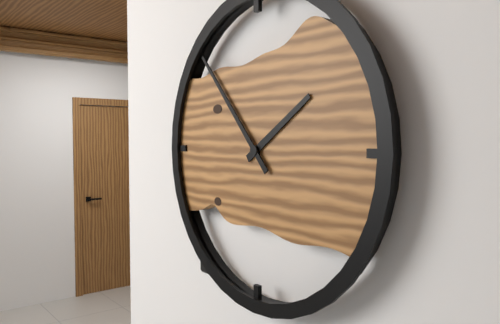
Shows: 1:53
